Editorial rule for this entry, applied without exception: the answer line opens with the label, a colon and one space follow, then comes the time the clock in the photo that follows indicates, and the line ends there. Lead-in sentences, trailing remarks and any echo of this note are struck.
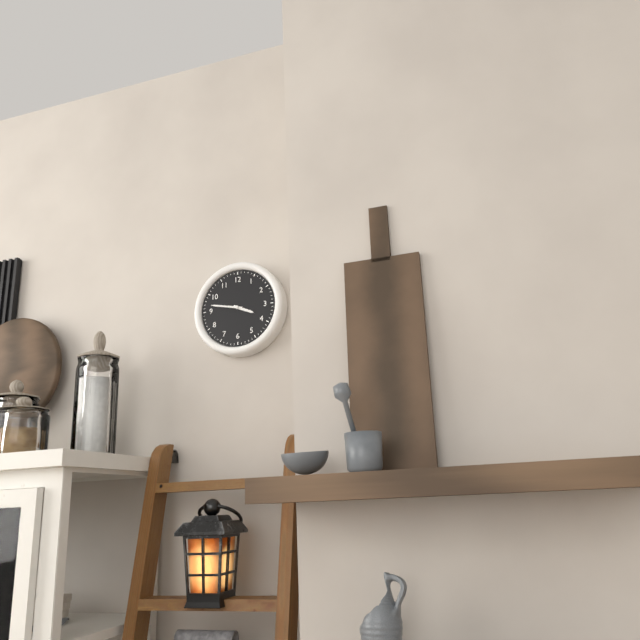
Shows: 3:47
